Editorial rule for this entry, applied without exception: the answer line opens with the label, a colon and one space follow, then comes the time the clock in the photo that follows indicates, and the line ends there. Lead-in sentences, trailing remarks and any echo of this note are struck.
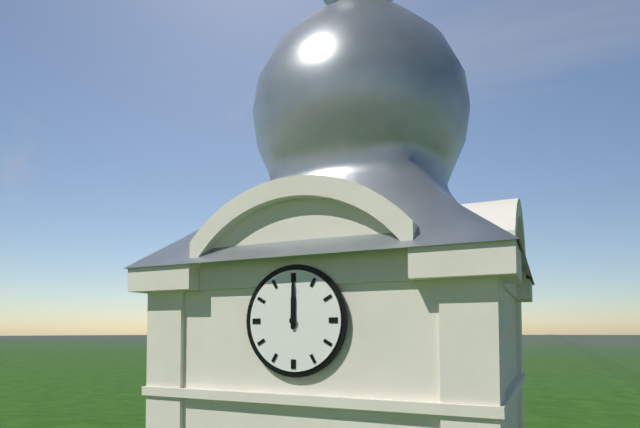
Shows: 12:00
